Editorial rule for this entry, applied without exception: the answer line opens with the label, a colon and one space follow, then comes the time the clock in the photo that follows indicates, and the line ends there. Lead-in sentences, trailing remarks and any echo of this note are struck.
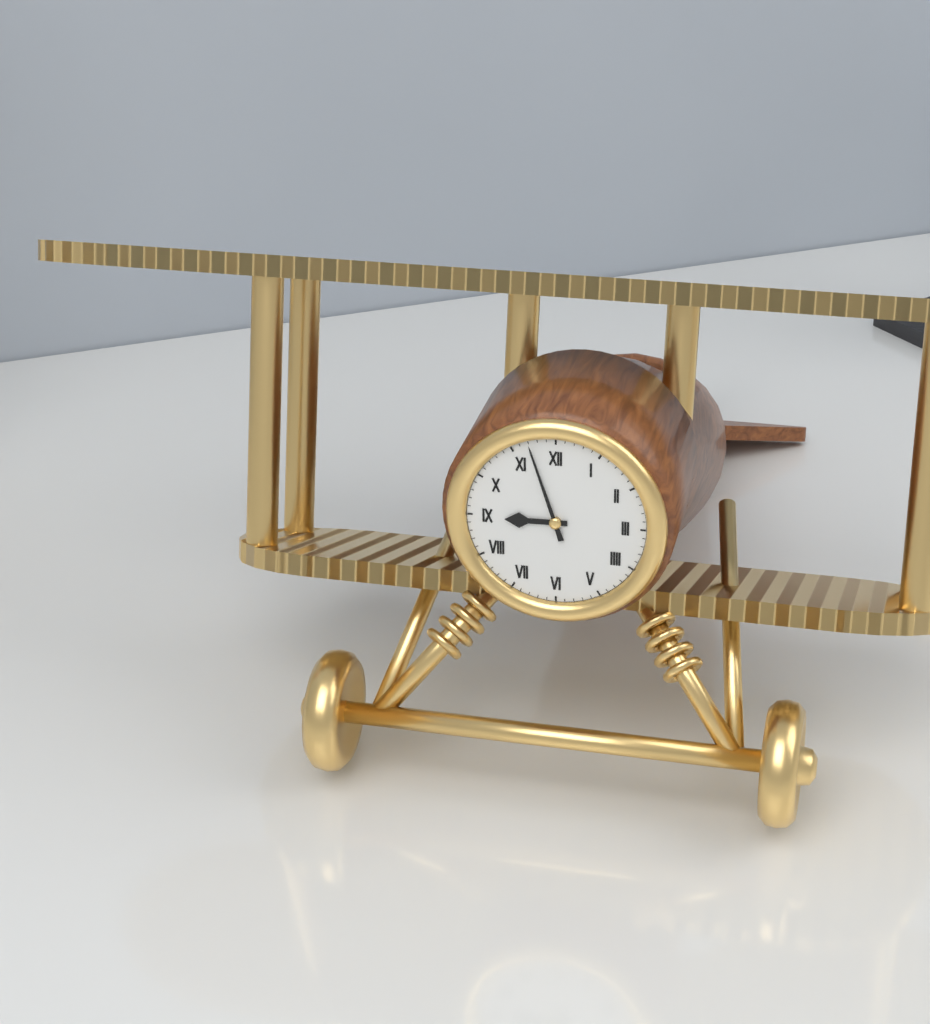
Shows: 8:57
